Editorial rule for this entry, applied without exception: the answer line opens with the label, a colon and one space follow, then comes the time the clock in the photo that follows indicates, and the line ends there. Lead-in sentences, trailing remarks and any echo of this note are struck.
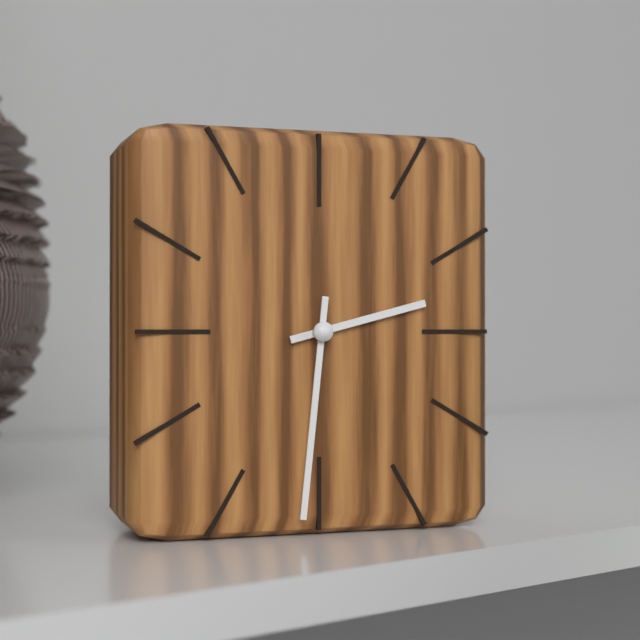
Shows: 2:31
